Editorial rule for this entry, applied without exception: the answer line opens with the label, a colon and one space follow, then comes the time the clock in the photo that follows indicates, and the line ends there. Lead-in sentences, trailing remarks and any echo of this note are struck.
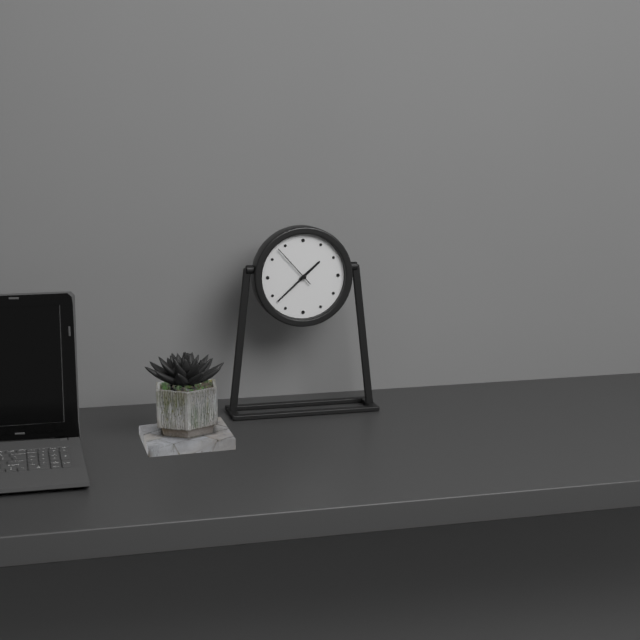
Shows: 1:38
